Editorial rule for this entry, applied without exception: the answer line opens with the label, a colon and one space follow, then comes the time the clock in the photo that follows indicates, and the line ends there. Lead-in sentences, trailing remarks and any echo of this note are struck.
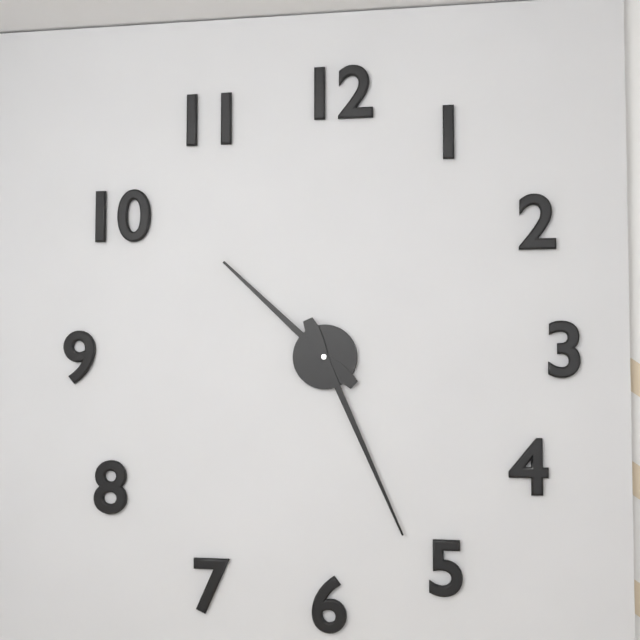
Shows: 10:26
